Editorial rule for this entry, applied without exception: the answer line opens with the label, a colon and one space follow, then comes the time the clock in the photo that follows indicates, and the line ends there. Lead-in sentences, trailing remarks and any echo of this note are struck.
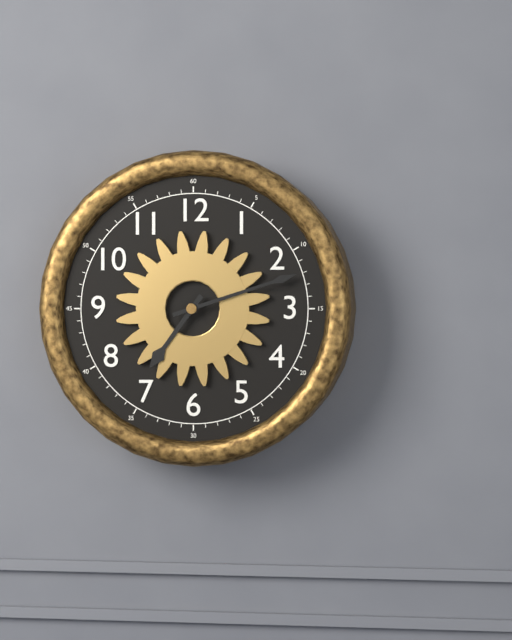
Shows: 7:12
